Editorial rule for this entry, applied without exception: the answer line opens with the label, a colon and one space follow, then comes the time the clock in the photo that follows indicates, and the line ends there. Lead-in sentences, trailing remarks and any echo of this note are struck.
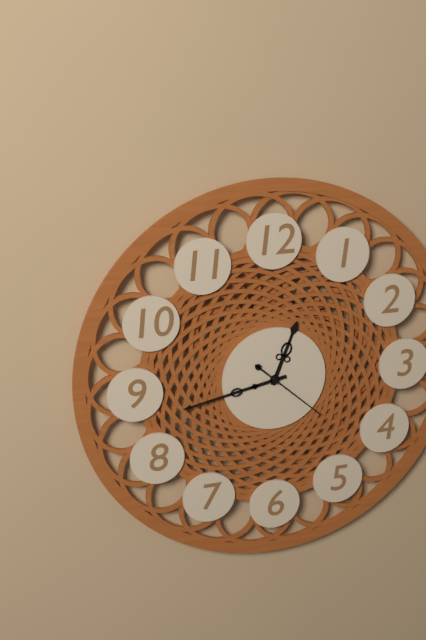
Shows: 12:43:22
